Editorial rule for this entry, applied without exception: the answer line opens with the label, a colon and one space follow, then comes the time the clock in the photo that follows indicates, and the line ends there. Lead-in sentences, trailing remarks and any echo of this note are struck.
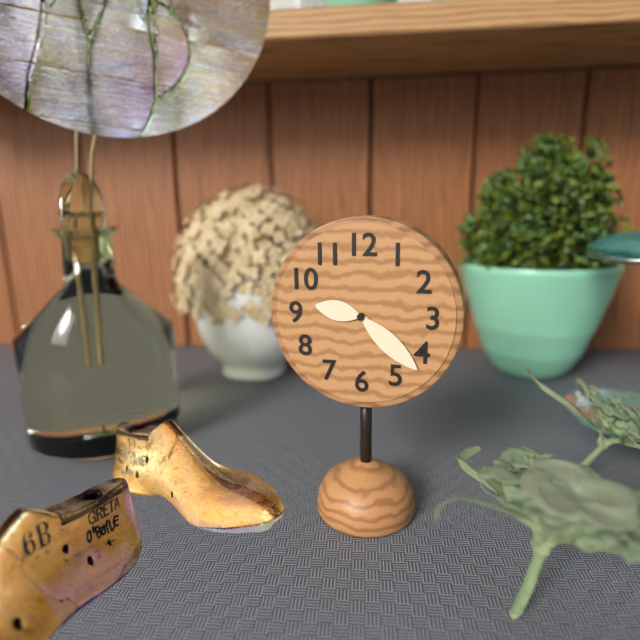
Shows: 9:22
